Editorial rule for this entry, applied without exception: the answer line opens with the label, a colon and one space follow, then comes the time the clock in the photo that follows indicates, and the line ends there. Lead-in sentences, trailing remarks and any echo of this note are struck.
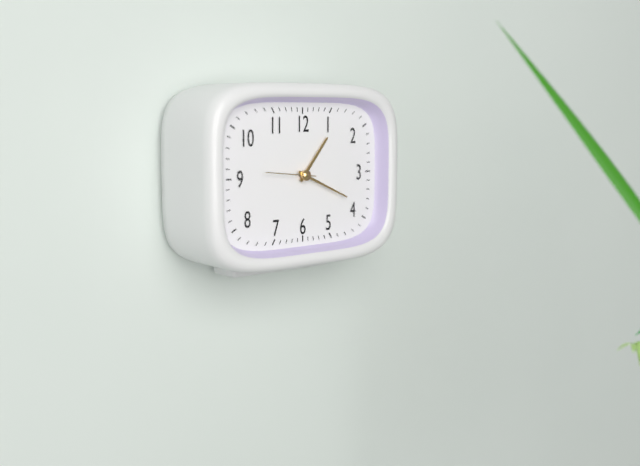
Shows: 1:19:46
